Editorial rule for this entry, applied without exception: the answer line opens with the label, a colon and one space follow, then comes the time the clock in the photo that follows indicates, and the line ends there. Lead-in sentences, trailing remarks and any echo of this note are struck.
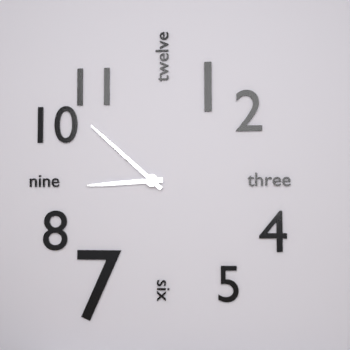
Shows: 8:52
